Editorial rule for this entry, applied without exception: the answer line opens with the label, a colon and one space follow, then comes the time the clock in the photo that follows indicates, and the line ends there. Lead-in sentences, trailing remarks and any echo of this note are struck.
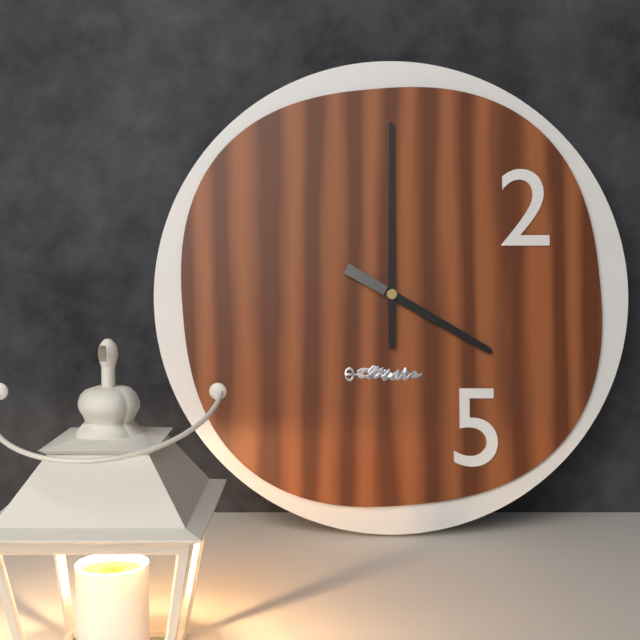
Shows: 4:00
